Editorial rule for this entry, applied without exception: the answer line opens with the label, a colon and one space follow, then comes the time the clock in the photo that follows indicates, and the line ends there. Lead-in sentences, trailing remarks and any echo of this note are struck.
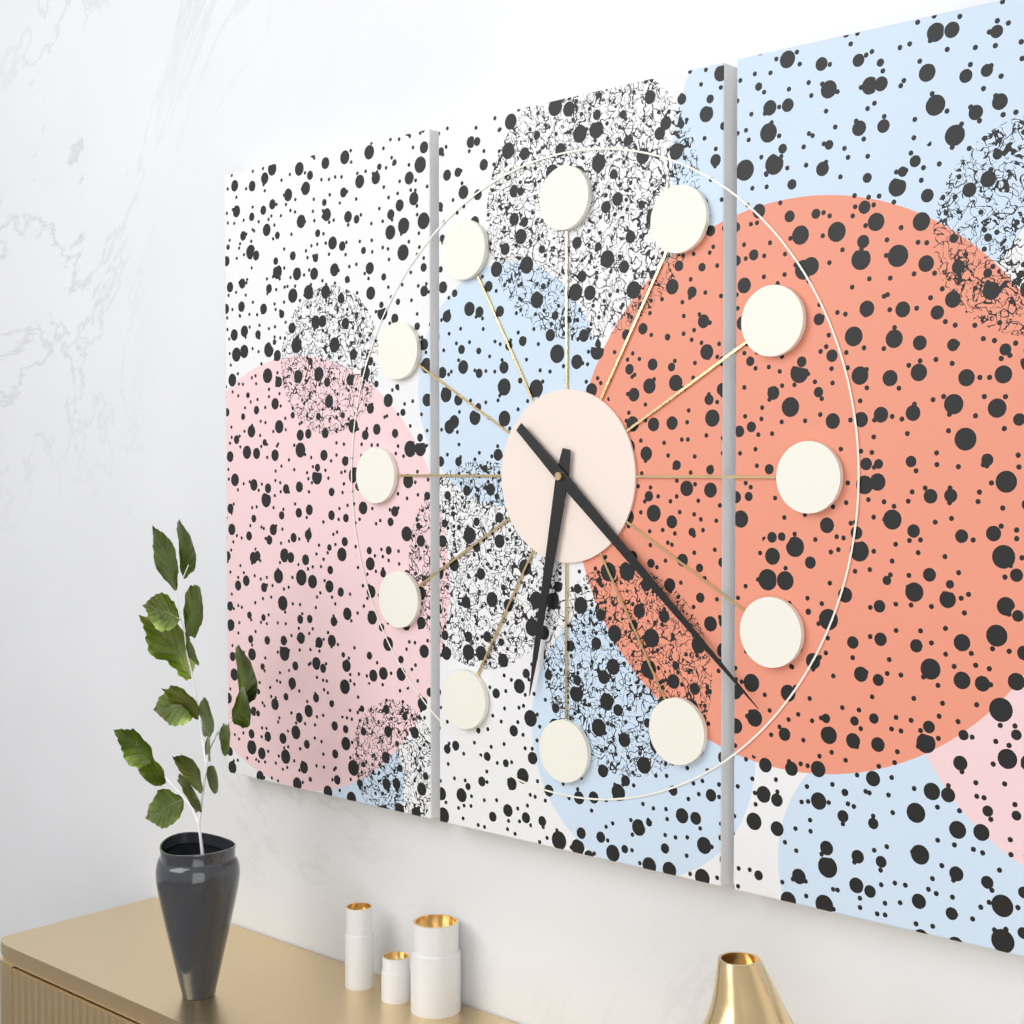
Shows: 6:22
